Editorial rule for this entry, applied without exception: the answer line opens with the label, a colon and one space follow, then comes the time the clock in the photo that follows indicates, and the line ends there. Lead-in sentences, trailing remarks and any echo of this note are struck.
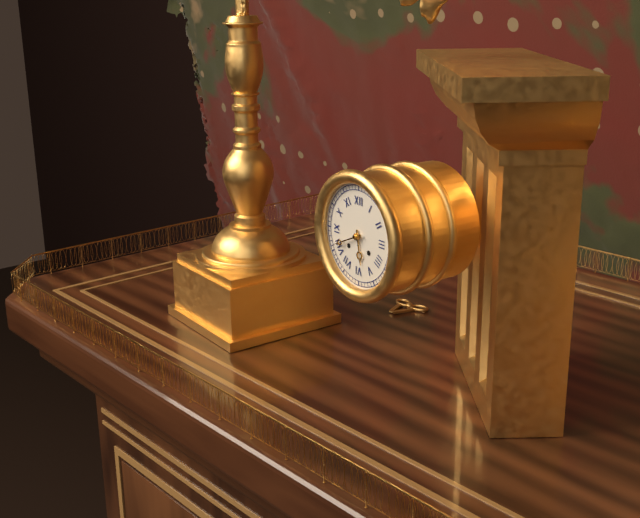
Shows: 5:41
